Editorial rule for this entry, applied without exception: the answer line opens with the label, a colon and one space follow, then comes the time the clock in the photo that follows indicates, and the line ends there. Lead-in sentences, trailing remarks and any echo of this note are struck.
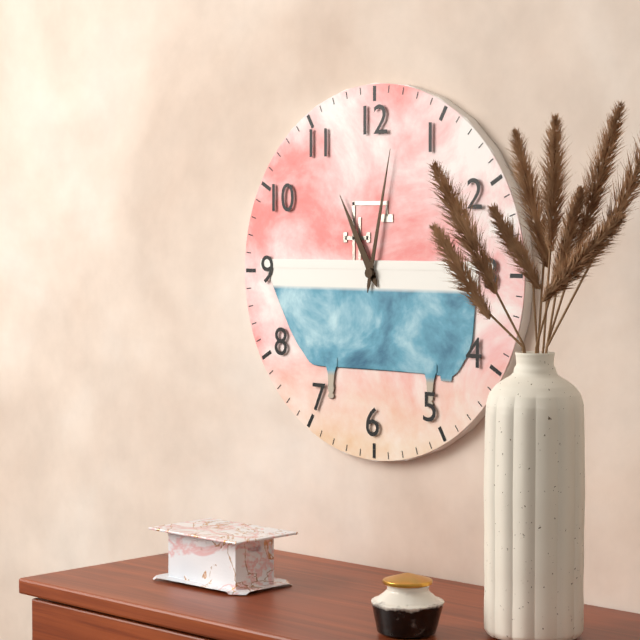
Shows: 11:02
